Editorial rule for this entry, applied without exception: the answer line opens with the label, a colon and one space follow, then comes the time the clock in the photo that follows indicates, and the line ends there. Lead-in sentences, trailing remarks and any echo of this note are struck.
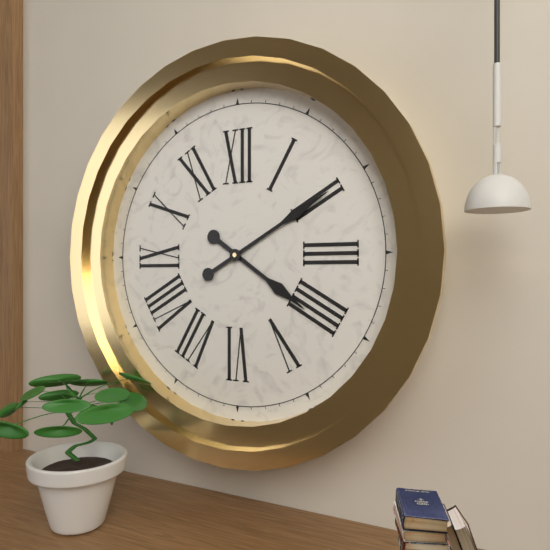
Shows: 4:10
